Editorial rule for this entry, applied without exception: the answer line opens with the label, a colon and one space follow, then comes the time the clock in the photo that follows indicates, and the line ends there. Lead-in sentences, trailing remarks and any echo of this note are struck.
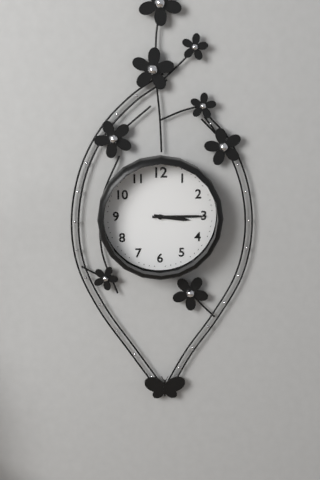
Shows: 3:15
